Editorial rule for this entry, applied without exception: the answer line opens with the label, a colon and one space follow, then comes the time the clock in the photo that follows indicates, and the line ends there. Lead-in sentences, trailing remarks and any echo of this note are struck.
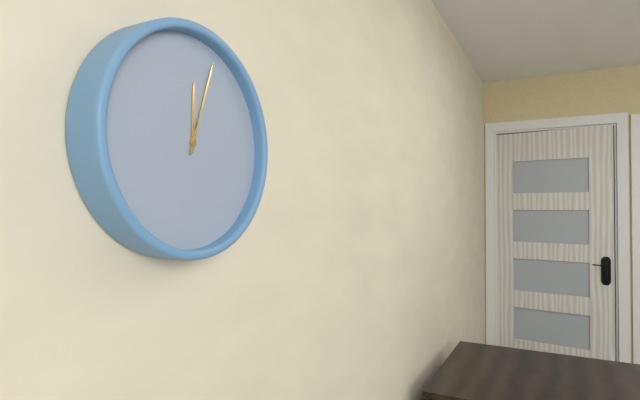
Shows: 12:03
